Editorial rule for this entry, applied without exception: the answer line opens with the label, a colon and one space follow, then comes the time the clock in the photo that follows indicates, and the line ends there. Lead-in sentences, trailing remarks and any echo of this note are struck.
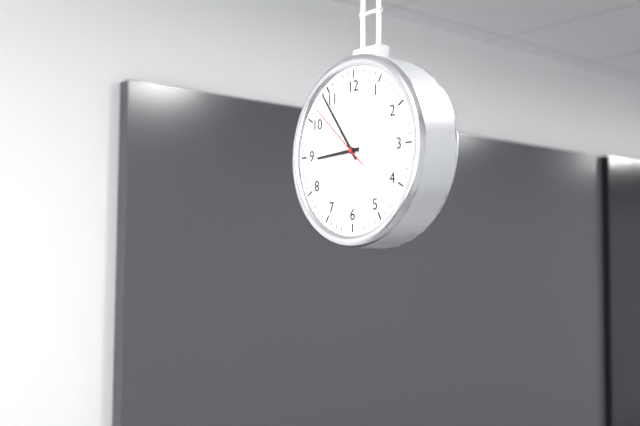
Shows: 8:54:52
